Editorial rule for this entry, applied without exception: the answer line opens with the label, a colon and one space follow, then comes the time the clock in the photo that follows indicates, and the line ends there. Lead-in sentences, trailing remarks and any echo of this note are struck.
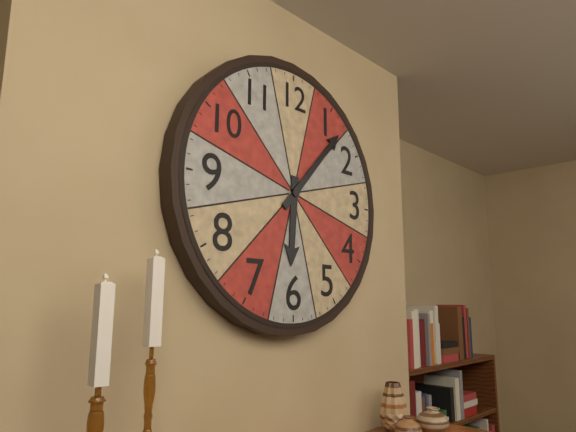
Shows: 6:07
